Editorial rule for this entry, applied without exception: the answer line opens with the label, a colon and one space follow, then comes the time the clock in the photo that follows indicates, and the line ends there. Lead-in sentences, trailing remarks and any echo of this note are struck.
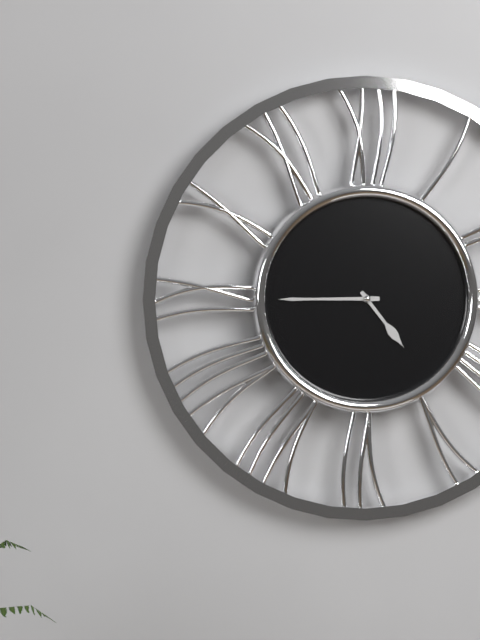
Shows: 4:45
